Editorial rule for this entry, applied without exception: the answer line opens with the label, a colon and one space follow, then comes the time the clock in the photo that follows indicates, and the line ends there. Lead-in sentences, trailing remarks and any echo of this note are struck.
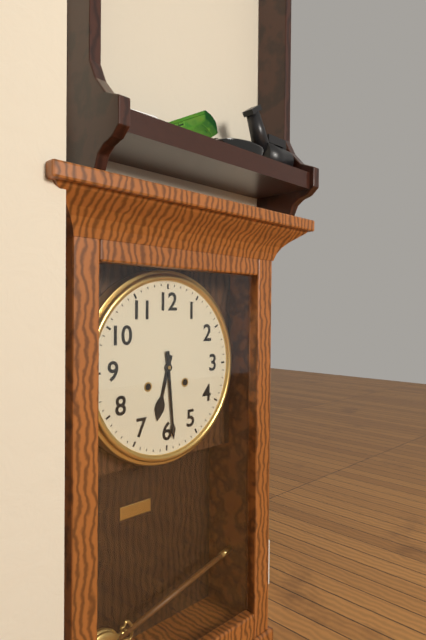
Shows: 6:29
